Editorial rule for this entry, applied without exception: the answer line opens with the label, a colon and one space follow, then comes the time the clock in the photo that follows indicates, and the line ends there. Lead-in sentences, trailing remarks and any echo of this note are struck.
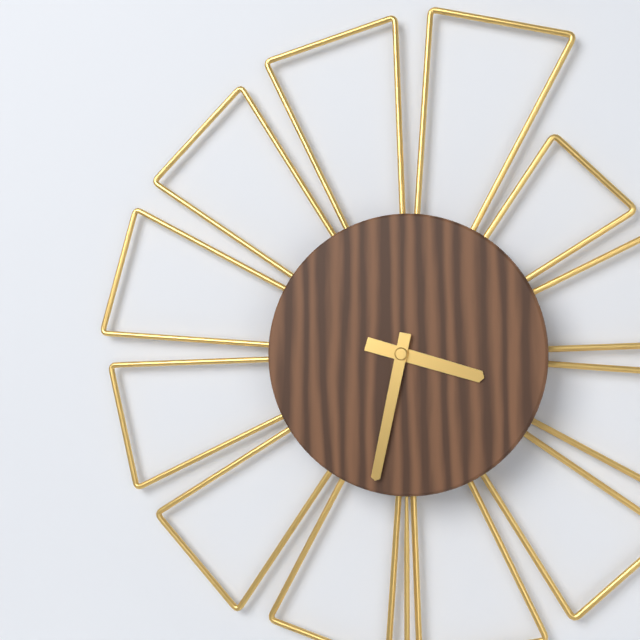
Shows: 3:32
